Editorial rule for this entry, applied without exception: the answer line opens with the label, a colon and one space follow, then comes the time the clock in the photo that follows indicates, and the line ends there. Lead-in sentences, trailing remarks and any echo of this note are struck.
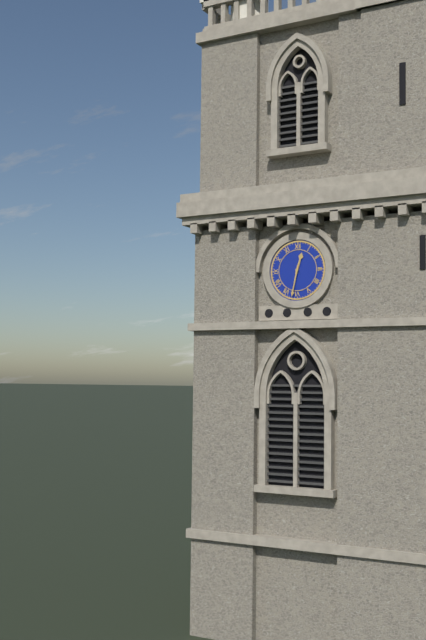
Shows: 12:32
